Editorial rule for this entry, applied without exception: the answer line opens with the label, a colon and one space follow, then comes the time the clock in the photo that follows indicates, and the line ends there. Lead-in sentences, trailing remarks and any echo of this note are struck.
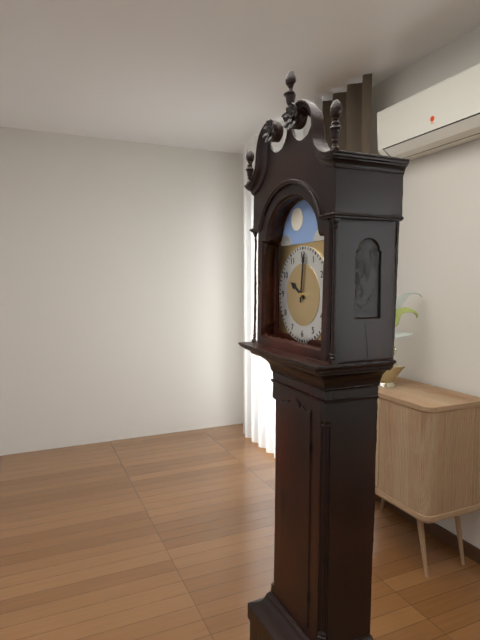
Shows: 10:01
